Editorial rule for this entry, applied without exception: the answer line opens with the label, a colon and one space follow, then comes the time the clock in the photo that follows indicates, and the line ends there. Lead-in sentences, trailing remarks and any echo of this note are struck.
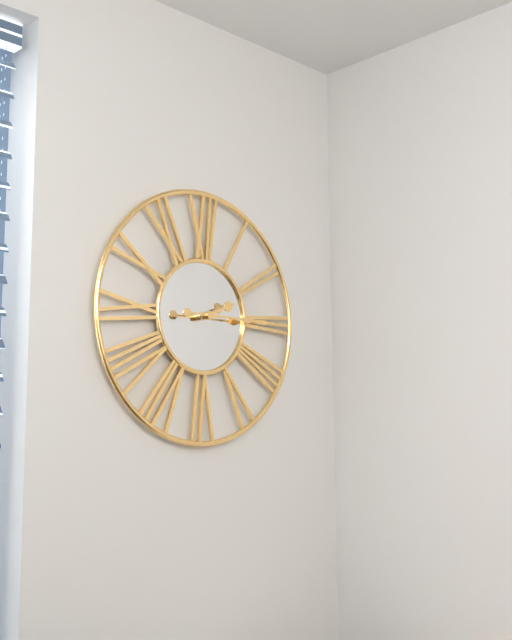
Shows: 2:15
